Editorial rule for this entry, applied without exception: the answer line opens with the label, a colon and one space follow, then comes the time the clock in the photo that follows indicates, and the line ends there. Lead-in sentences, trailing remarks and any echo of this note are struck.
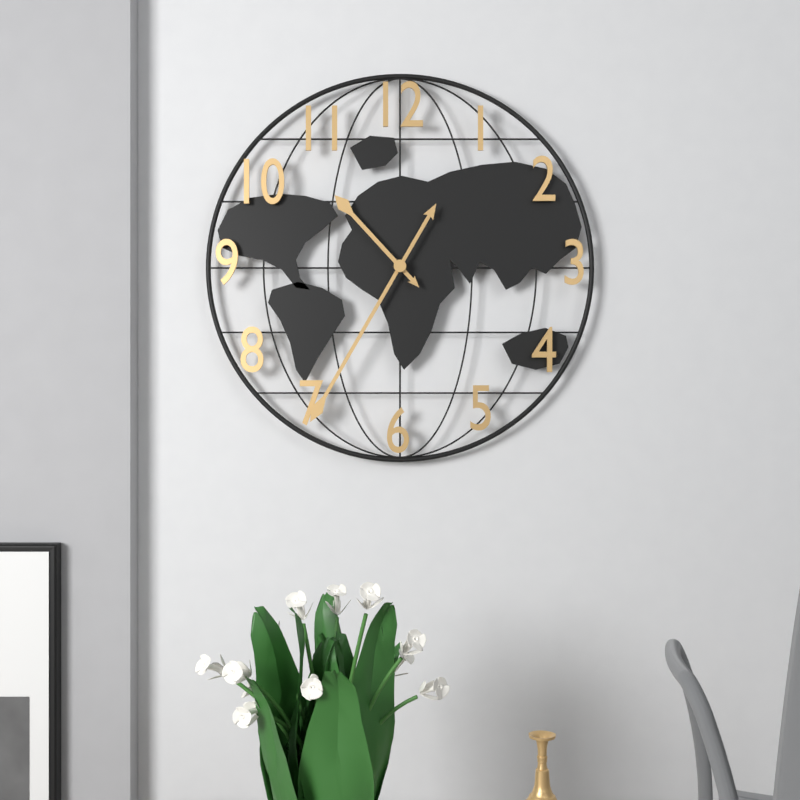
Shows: 10:35
